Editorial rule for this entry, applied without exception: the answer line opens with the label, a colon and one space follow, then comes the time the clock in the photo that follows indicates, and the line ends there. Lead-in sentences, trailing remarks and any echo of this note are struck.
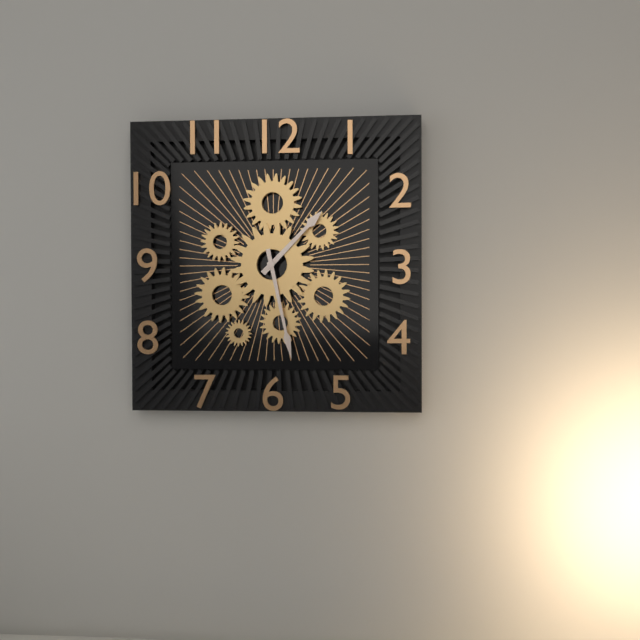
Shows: 1:28
